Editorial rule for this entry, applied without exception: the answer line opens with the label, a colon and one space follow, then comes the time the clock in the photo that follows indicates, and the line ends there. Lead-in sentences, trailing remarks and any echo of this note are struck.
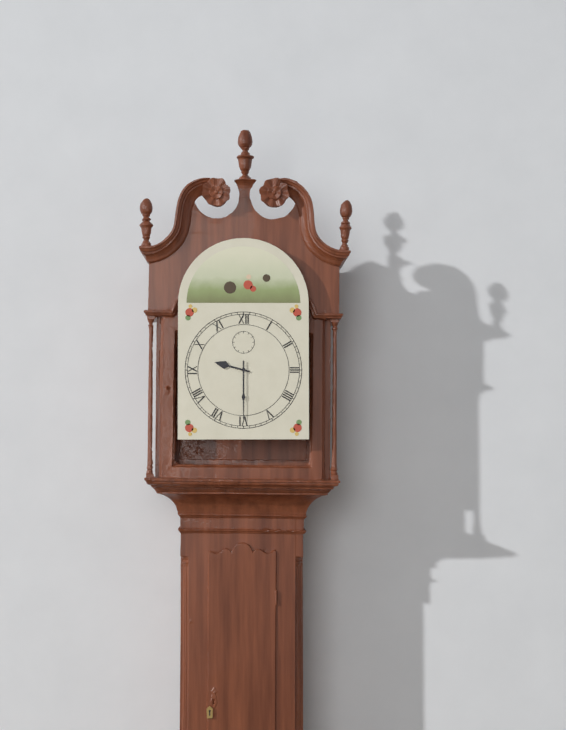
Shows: 9:30
